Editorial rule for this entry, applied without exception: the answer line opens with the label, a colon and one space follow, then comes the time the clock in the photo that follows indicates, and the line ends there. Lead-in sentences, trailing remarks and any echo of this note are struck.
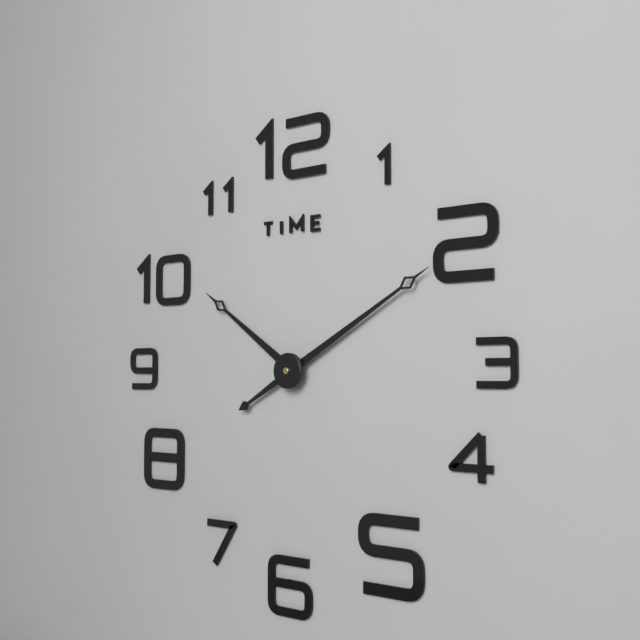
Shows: 10:10
